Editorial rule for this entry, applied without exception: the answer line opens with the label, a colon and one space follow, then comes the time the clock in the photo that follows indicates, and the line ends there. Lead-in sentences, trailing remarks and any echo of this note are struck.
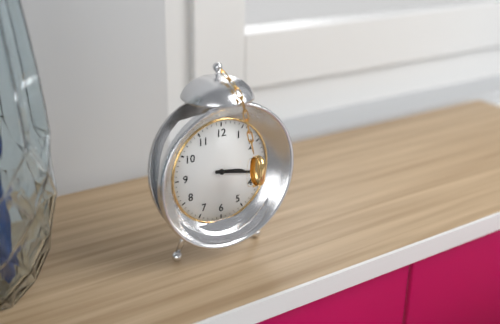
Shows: 3:17
